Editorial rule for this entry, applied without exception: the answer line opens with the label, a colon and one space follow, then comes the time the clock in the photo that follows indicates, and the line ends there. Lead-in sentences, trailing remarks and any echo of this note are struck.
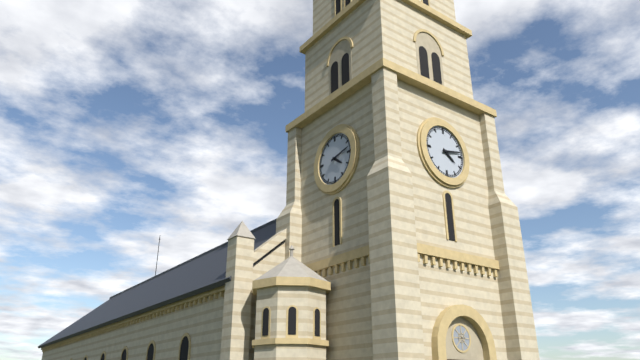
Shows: 4:13
